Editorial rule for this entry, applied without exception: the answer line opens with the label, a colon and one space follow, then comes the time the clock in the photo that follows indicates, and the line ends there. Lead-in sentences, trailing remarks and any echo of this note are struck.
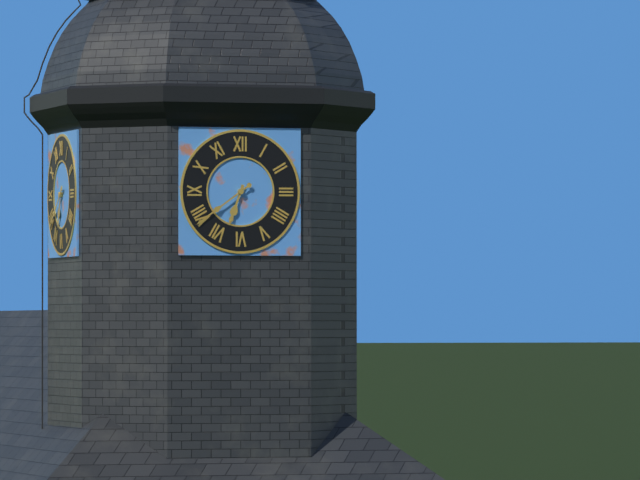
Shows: 6:39
